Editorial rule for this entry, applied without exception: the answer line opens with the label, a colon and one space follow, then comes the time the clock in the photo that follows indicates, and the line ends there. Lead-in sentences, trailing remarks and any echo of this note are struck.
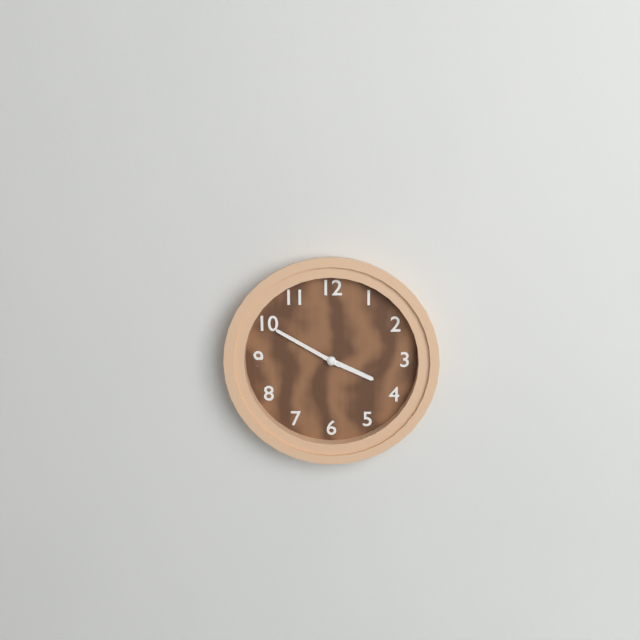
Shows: 3:50
